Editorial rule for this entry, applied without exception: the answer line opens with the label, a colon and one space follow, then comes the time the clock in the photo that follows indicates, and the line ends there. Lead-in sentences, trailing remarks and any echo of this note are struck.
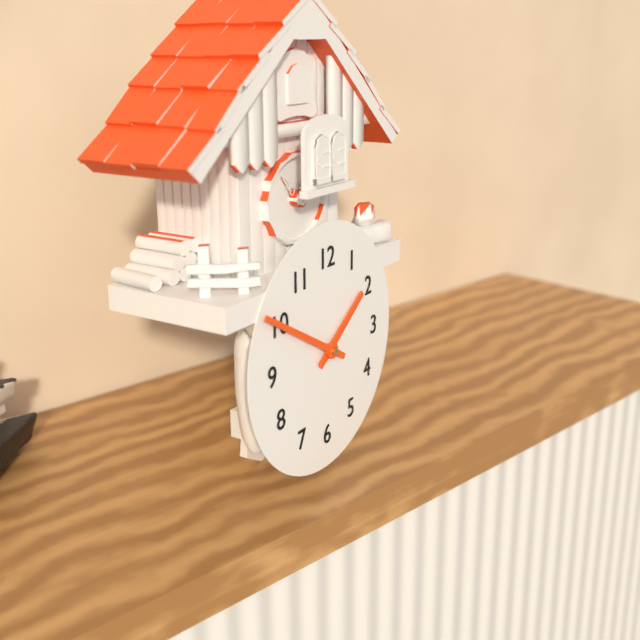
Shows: 1:50
